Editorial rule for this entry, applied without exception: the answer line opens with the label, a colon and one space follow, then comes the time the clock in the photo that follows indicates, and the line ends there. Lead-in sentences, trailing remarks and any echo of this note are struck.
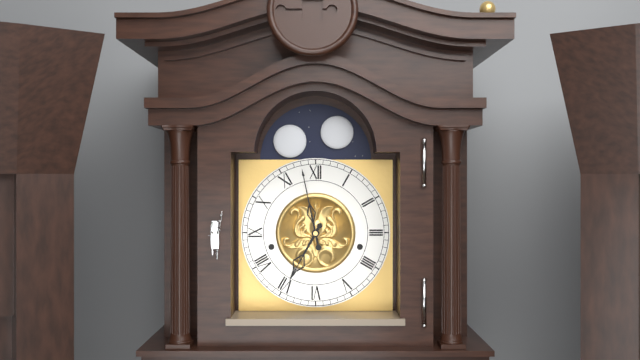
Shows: 6:58
